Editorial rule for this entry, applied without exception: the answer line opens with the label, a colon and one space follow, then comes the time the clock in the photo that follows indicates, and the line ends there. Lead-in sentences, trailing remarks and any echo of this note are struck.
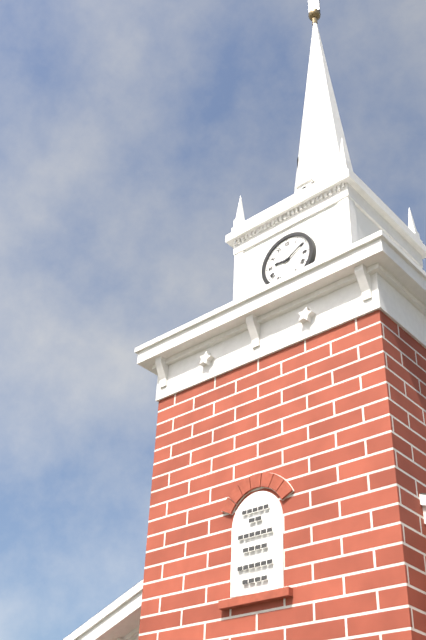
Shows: 9:10
